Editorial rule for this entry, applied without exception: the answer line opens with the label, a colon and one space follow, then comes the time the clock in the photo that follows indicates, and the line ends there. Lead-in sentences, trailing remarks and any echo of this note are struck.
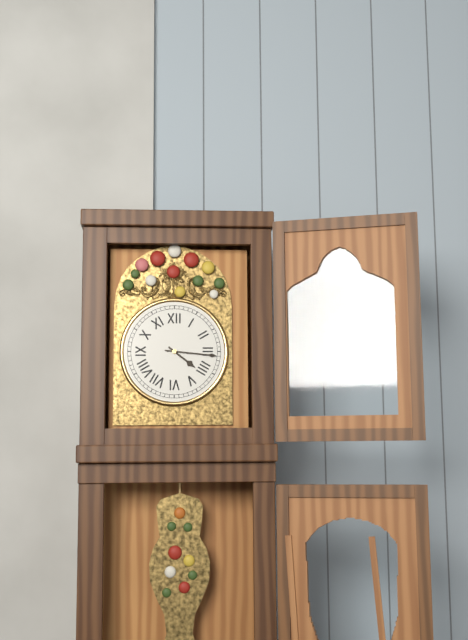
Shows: 4:16
